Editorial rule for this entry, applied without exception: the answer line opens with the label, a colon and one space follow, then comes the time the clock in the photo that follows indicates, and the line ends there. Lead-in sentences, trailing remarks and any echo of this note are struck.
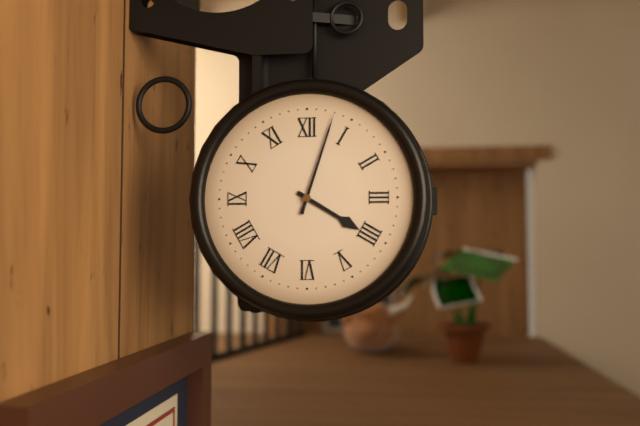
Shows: 4:03
